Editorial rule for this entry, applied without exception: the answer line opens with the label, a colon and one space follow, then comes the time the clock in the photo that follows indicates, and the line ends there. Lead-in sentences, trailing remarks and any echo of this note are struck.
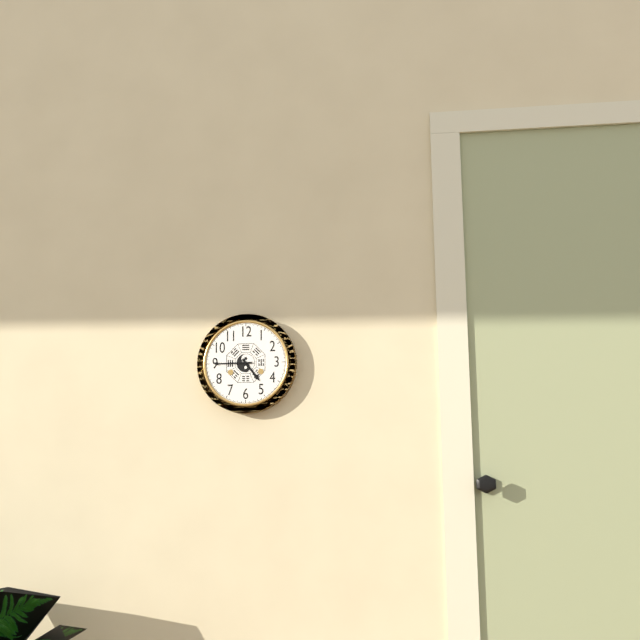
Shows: 4:45
